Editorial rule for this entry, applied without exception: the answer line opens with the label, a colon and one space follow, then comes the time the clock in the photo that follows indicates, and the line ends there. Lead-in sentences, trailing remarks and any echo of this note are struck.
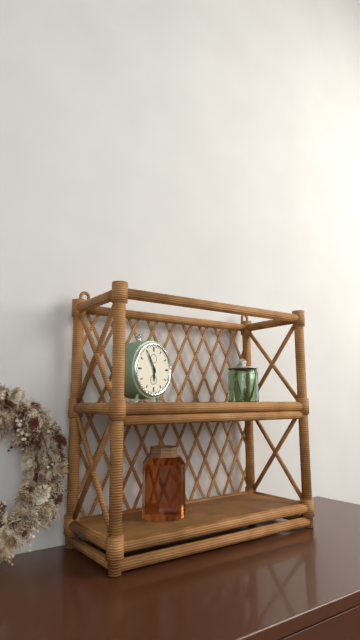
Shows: 5:55
